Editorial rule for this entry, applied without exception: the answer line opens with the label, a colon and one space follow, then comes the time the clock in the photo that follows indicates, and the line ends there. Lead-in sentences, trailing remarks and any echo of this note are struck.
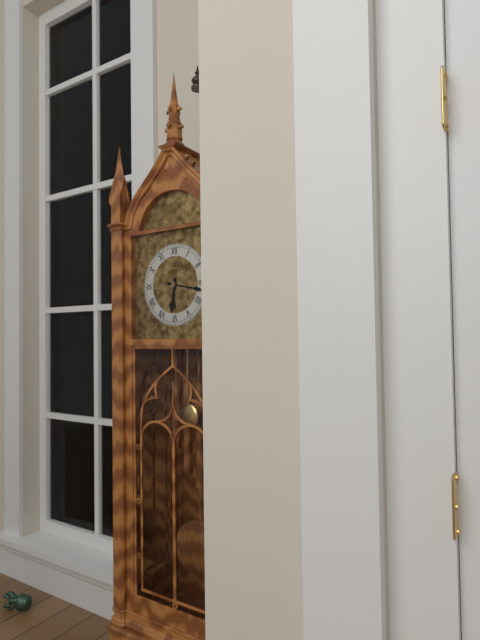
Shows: 6:17
